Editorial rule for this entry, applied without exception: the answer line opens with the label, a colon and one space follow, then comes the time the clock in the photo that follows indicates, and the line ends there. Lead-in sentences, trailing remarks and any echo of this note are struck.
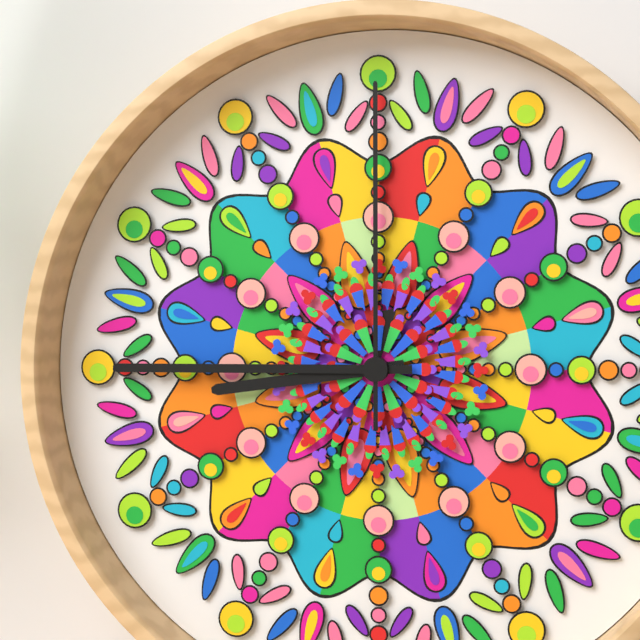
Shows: 8:45:00
